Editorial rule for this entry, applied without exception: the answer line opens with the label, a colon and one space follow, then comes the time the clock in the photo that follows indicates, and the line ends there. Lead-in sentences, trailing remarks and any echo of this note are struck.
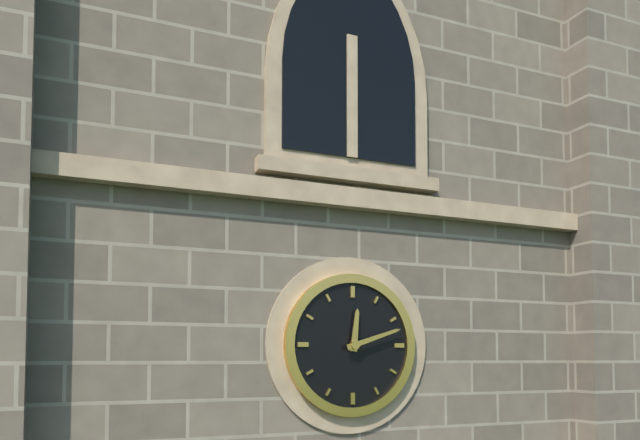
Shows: 12:12
